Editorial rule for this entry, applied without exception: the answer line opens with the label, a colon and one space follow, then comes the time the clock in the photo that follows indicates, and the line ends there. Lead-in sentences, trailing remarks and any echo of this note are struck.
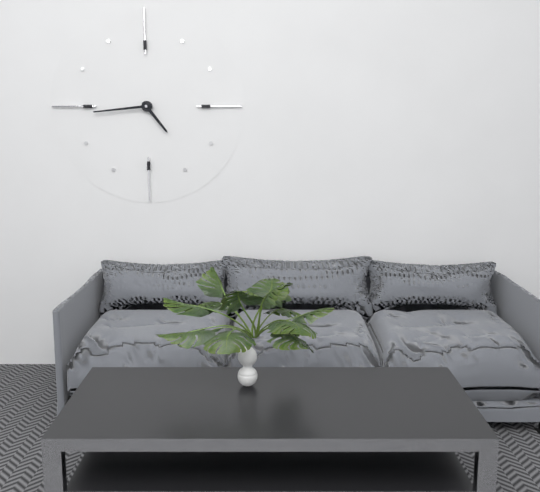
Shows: 4:44
